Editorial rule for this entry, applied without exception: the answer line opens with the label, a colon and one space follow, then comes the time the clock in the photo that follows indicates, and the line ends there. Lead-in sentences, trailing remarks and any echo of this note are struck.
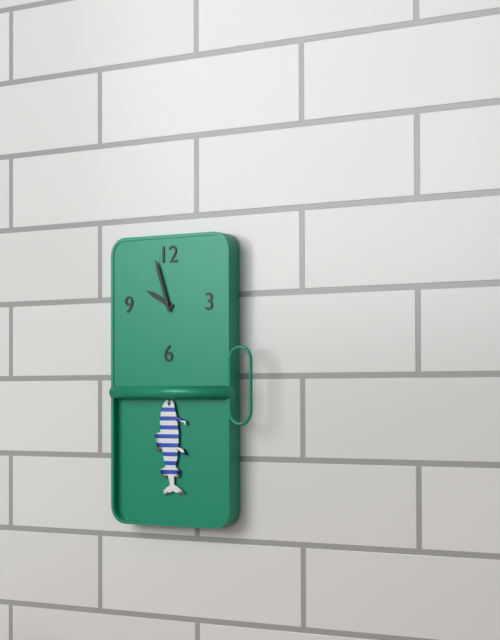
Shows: 9:57
